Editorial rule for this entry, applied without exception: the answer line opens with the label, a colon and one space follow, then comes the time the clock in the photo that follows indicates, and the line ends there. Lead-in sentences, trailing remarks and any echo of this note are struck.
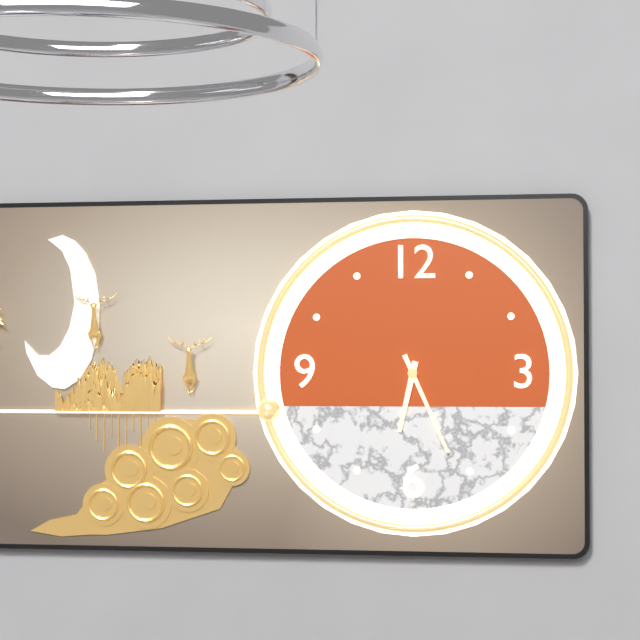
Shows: 6:26
